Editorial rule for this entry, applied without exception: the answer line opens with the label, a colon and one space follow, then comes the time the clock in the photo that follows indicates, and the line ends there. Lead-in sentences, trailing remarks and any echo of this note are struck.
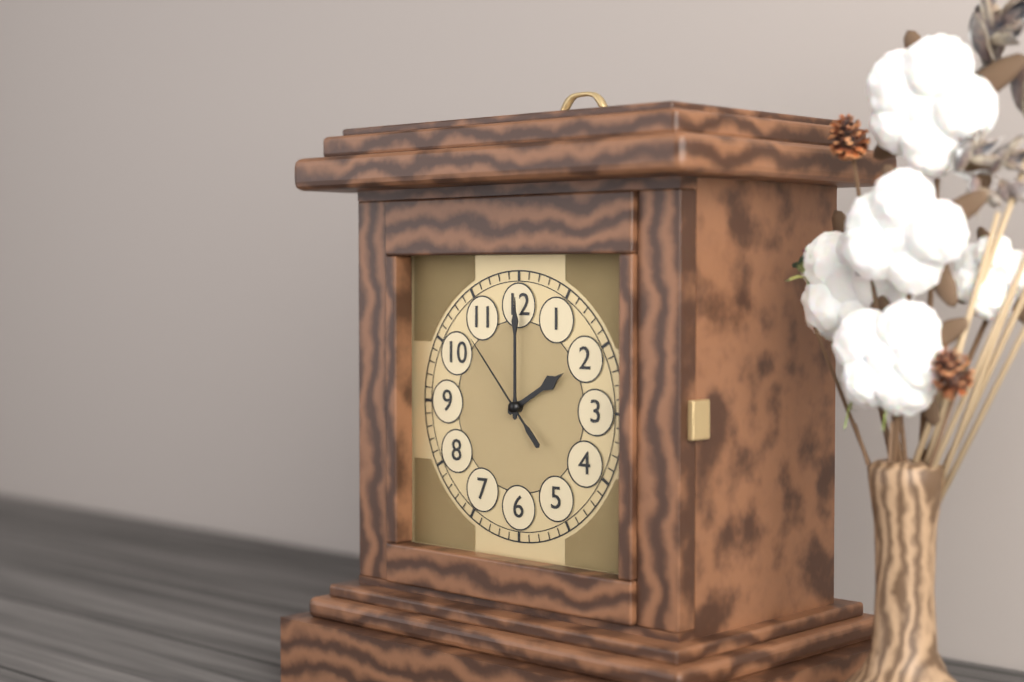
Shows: 2:00:53
